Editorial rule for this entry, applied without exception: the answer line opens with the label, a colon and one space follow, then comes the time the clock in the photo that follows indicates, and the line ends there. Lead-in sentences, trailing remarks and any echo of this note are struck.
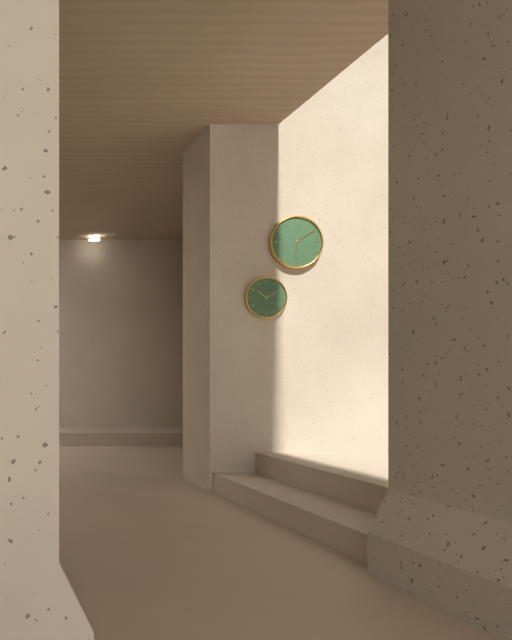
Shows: 6:09
